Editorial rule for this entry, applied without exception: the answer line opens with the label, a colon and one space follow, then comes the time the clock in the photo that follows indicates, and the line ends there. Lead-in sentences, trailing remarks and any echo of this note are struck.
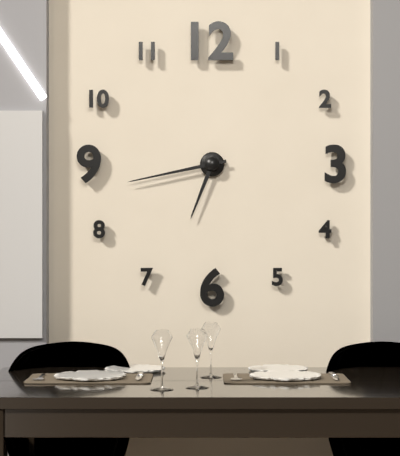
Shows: 6:43
